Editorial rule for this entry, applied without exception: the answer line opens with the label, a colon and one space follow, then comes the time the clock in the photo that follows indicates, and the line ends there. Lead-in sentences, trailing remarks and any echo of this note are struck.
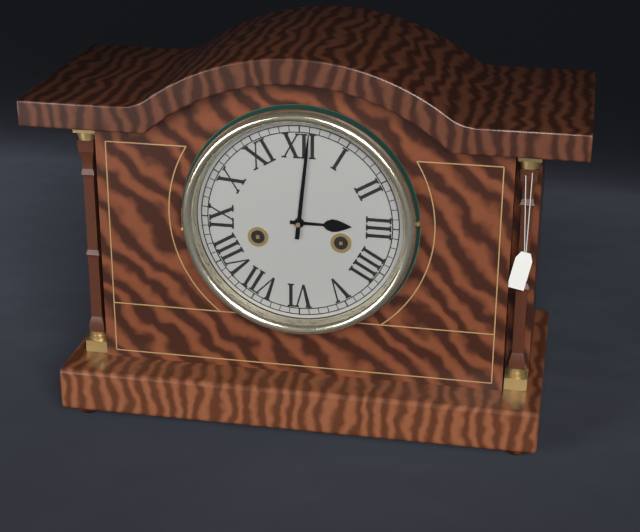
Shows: 3:01
